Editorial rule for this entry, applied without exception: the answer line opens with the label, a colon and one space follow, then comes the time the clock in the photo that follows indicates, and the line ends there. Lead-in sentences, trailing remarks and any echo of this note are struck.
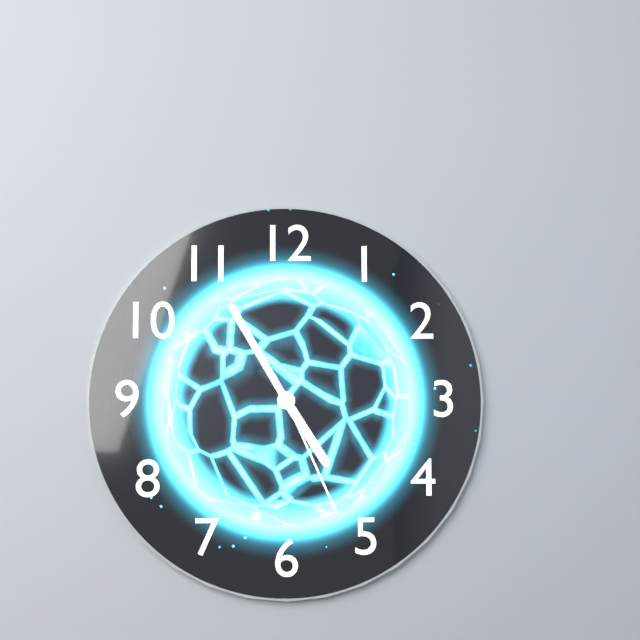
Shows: 4:55:26
